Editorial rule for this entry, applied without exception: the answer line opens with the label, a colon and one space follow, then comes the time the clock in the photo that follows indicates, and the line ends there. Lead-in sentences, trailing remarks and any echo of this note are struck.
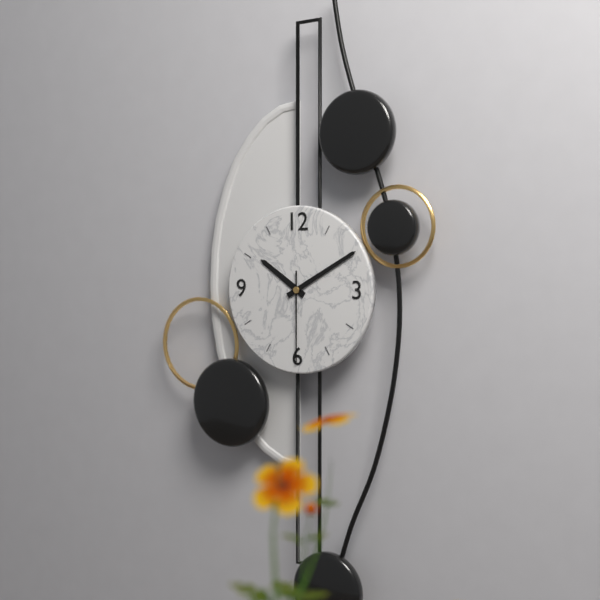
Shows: 10:10:30
